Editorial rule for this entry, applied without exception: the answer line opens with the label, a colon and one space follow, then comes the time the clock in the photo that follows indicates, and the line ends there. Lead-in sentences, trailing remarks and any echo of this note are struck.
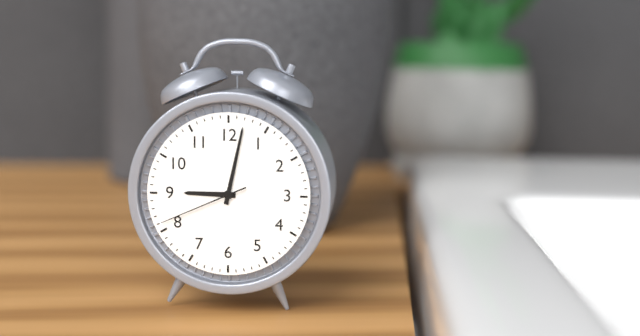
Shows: 9:02:41
